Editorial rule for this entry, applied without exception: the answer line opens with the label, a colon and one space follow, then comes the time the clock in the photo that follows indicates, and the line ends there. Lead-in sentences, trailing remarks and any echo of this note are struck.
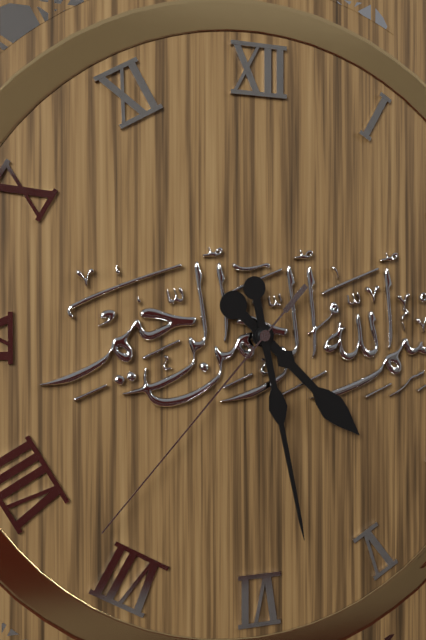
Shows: 4:28:37
